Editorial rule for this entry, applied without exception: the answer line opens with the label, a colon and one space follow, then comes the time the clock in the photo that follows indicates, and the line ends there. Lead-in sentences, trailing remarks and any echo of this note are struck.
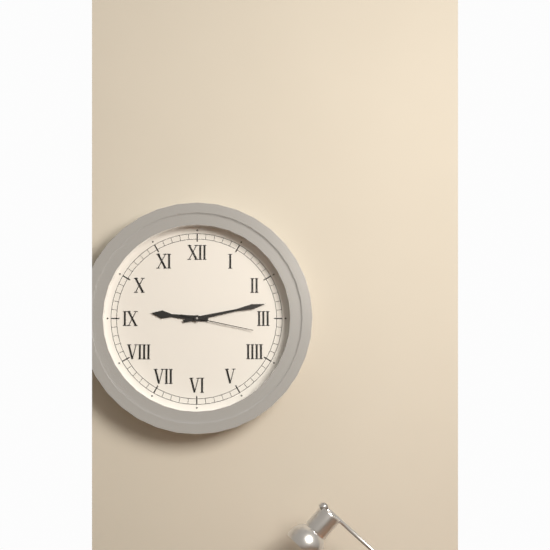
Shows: 9:13:17
